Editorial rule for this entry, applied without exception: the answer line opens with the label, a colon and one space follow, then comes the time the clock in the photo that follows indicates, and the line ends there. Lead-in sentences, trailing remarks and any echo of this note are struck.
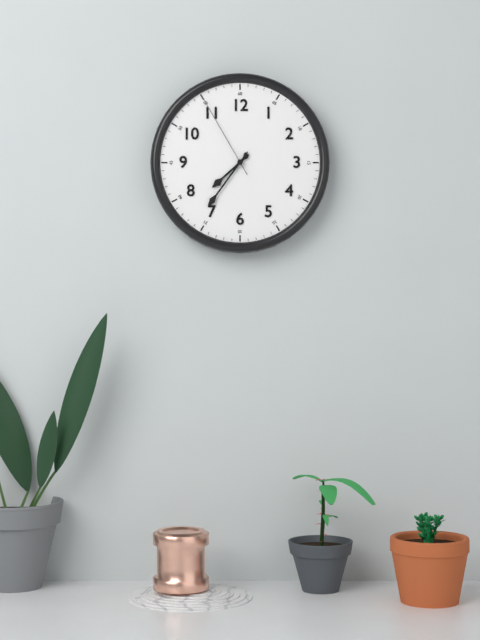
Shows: 7:36:55
